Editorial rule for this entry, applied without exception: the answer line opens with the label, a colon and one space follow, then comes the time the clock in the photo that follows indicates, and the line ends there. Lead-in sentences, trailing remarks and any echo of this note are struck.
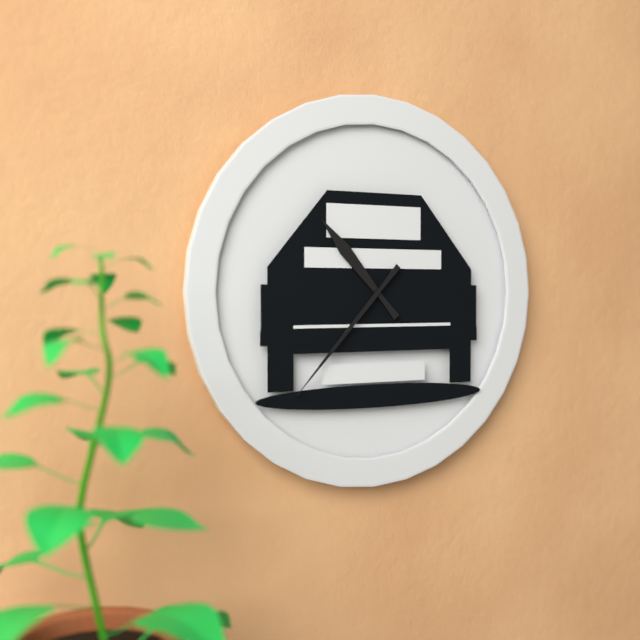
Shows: 10:37
